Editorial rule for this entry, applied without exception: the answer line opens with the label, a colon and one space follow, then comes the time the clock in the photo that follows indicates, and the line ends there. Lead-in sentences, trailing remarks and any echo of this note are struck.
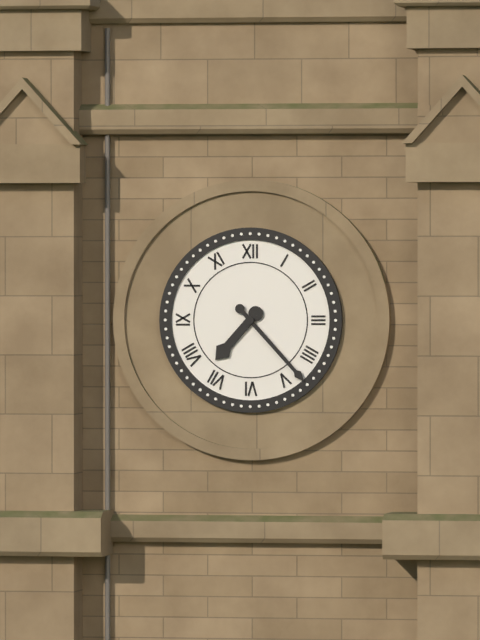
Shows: 7:23
